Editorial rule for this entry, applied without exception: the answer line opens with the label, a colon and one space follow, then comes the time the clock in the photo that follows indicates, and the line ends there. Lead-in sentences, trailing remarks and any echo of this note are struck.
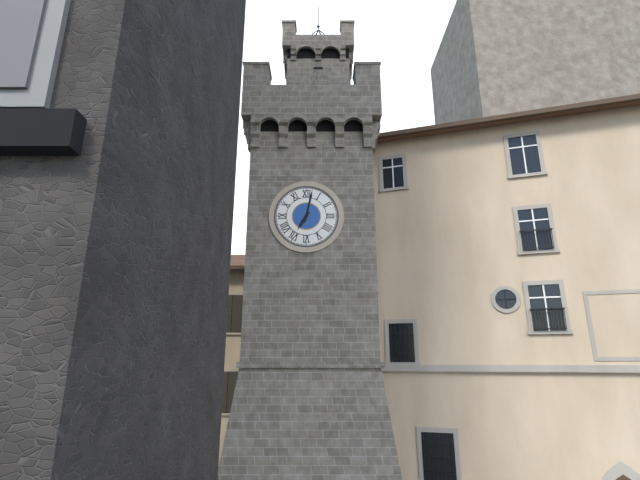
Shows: 7:02
